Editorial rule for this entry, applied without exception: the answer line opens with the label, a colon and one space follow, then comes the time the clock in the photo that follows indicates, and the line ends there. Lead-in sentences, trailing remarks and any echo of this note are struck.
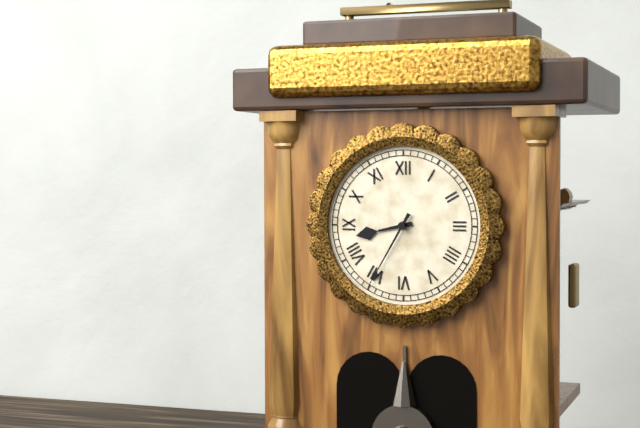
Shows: 8:35
